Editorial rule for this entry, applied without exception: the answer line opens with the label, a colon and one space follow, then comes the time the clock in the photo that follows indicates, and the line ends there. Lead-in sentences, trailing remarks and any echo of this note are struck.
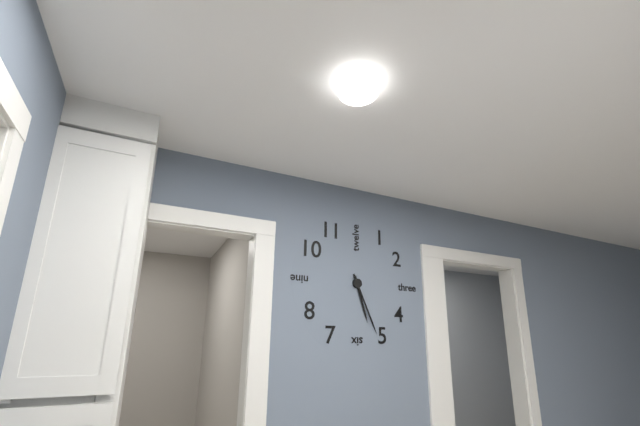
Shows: 5:26
